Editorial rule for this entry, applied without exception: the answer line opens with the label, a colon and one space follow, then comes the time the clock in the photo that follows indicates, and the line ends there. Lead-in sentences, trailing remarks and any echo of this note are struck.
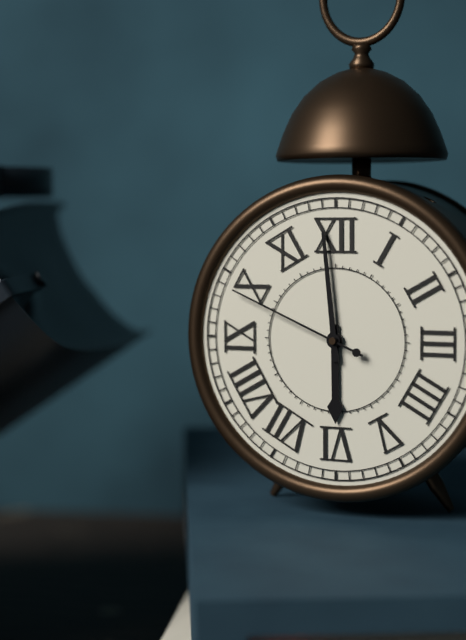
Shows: 5:59:49
